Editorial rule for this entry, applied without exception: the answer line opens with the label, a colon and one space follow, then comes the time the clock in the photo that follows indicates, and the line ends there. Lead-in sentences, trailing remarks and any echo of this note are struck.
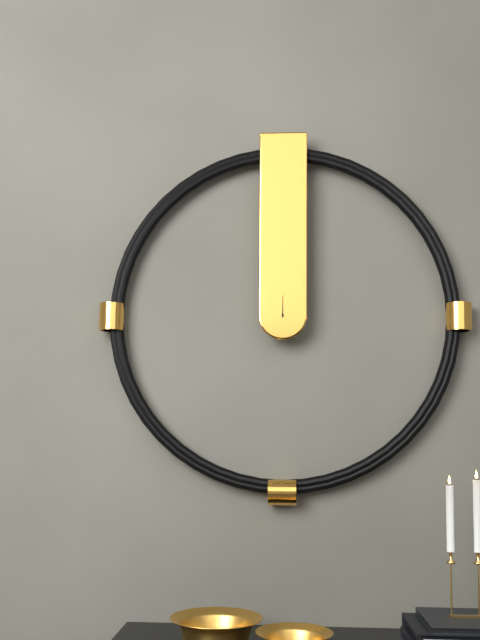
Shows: 12:00
